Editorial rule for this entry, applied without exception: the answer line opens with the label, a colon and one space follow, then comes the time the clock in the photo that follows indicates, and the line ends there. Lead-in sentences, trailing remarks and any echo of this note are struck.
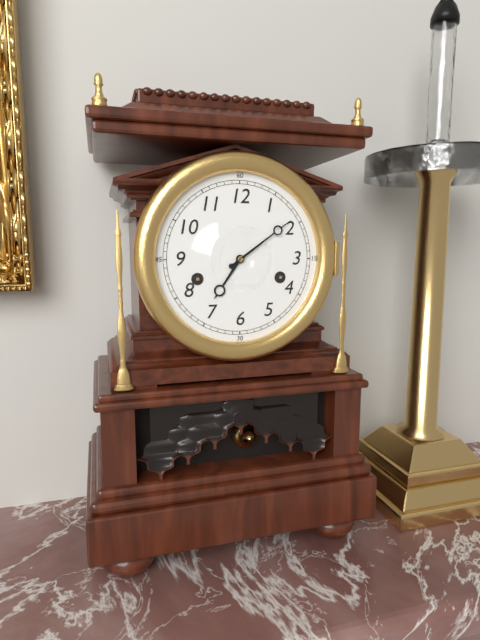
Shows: 7:09
